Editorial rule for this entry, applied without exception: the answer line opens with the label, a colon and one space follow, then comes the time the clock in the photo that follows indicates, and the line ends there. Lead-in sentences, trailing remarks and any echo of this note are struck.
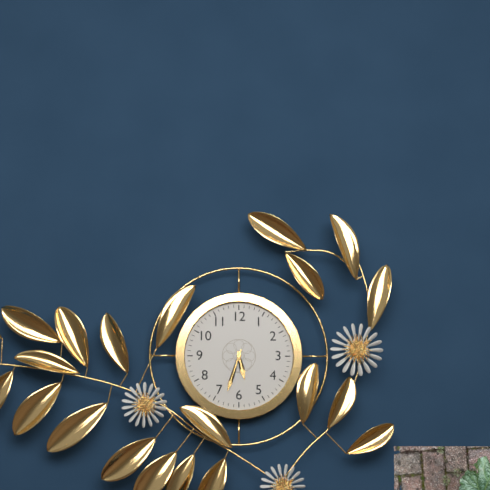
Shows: 5:33
